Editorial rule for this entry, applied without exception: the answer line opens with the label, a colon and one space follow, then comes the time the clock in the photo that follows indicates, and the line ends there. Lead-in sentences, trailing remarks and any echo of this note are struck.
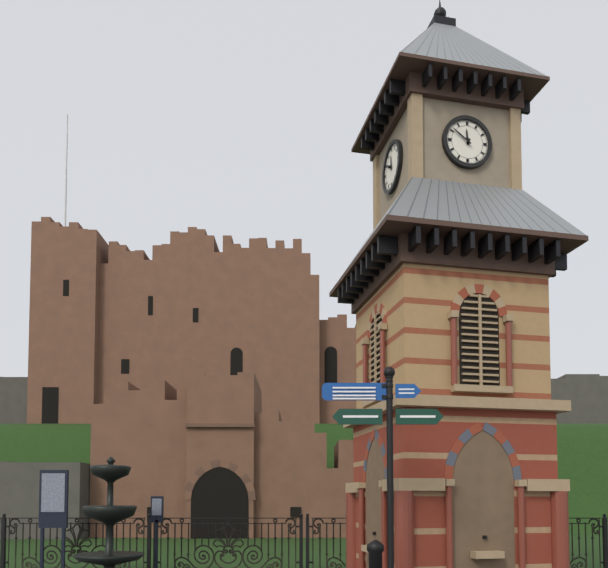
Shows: 11:51
